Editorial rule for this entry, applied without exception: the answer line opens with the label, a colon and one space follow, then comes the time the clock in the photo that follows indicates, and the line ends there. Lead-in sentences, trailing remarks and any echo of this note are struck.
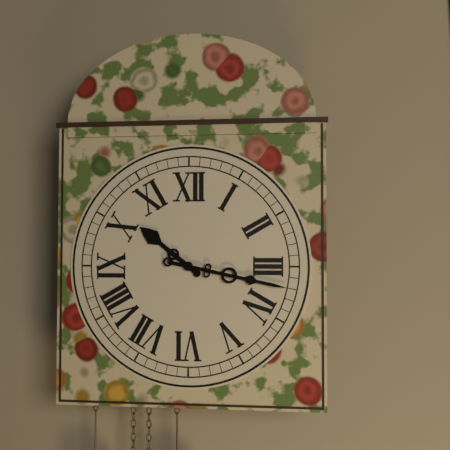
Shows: 10:17
